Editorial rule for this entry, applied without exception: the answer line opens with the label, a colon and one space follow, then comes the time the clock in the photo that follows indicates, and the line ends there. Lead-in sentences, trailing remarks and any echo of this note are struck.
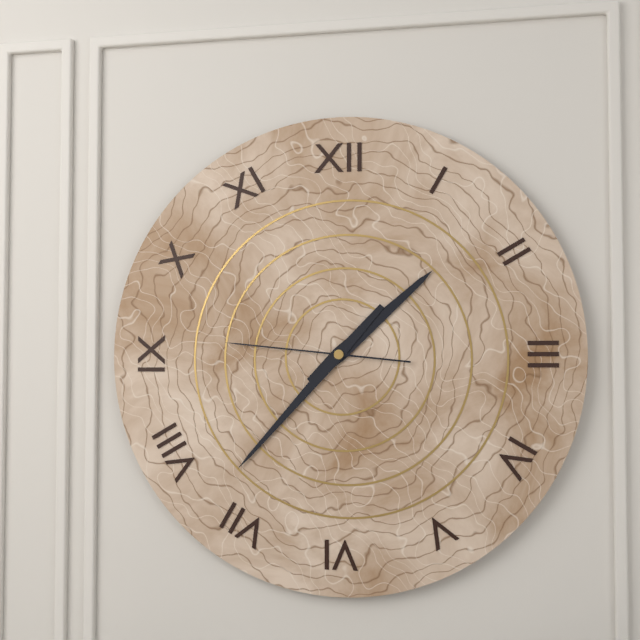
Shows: 1:37:46
